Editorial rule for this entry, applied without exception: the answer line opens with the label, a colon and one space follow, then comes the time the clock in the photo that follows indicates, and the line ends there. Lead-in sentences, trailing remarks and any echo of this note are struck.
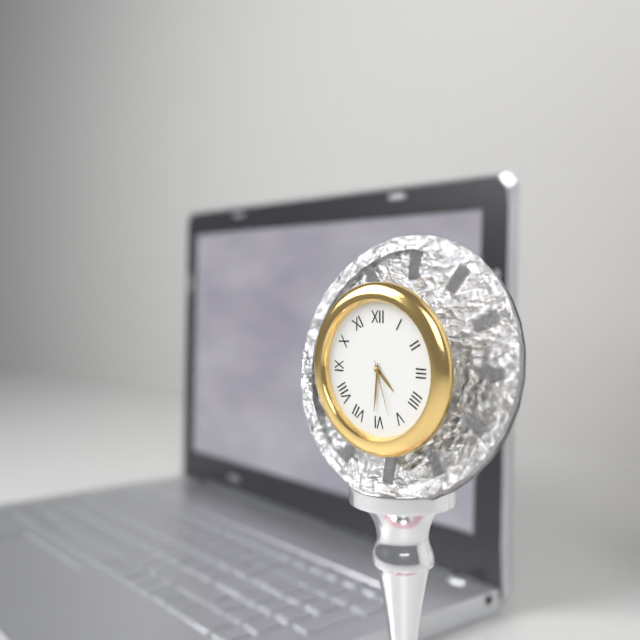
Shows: 4:31:27
